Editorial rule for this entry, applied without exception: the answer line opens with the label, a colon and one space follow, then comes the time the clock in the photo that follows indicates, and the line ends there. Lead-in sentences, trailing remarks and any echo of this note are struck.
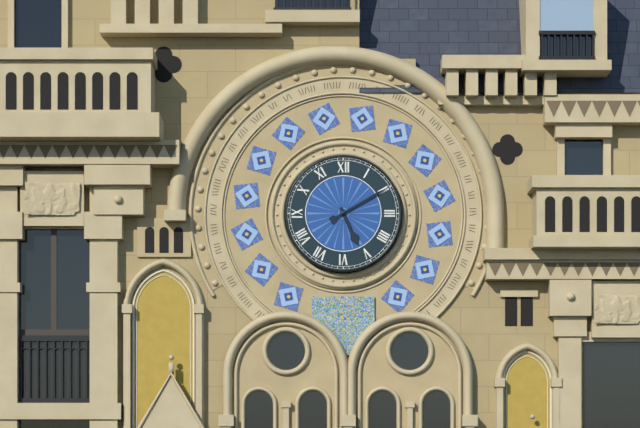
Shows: 5:10
